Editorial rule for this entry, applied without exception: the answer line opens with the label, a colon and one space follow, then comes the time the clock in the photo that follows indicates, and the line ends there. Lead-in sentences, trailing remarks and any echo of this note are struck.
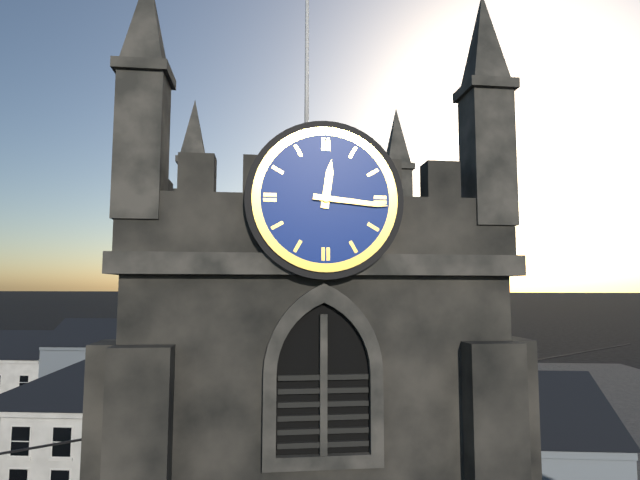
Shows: 12:16
